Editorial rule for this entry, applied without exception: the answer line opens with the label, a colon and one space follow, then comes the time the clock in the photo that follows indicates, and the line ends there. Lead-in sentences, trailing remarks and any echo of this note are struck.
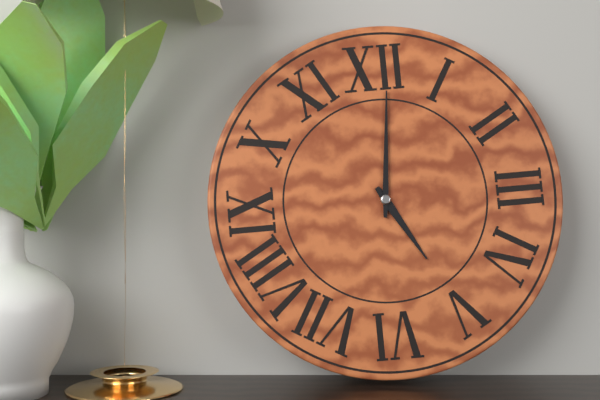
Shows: 5:01
